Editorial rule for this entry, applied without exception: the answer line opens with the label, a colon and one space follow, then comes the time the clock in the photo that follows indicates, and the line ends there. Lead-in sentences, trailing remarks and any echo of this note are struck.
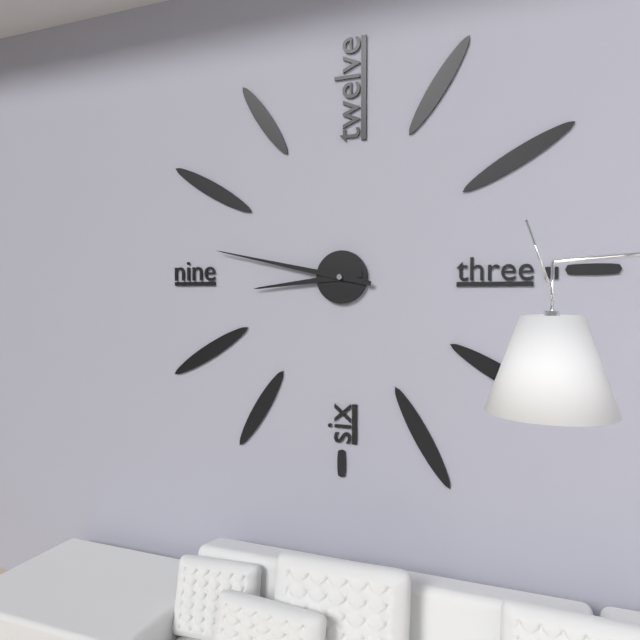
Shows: 8:47
